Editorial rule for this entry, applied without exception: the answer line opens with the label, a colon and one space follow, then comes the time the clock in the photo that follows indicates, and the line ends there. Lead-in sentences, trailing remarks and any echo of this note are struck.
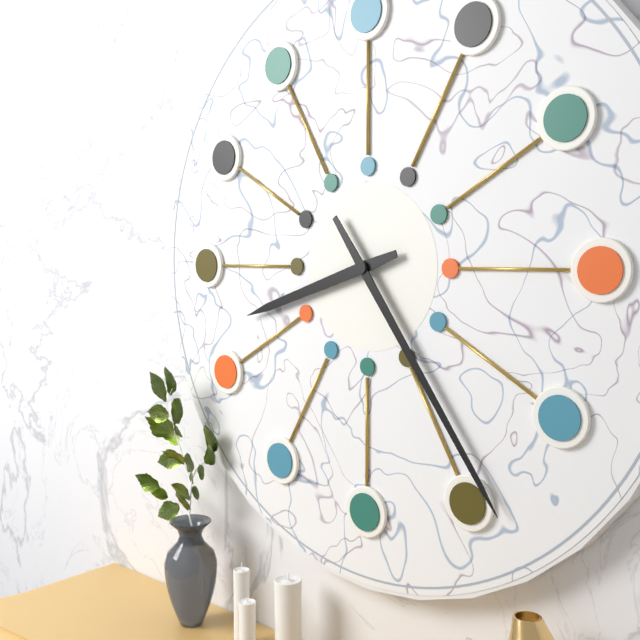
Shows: 8:24
